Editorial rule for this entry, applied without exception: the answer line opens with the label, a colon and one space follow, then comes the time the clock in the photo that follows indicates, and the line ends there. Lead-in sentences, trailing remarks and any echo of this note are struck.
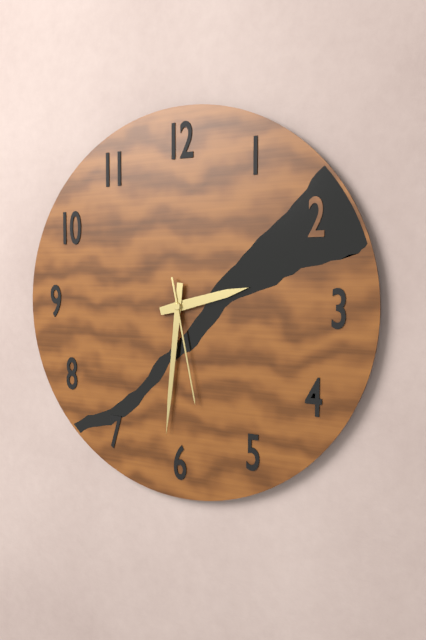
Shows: 2:31:28
